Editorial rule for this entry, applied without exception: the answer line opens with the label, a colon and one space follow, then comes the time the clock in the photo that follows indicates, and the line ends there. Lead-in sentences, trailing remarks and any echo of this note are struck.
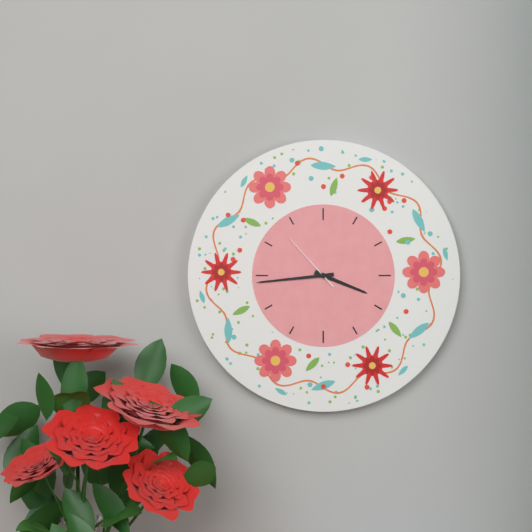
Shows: 3:44:53
